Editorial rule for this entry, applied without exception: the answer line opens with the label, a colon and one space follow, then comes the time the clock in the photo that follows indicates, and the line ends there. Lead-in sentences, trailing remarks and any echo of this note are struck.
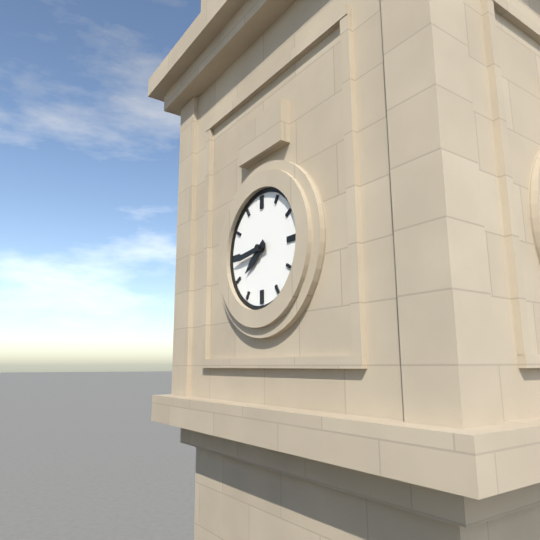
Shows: 7:44
